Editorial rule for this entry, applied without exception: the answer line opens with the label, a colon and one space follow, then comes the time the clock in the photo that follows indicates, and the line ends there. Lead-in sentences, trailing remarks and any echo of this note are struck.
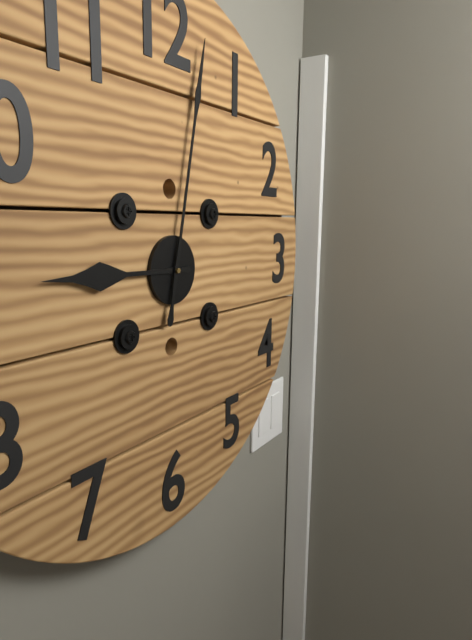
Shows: 9:02
